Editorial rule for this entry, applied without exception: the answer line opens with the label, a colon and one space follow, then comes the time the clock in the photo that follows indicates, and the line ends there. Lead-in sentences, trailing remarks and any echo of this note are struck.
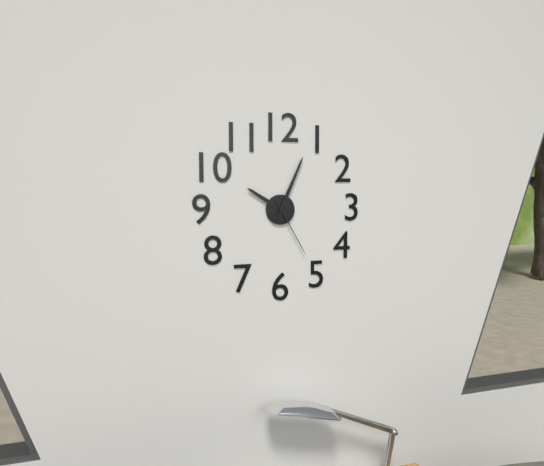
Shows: 10:04:25
